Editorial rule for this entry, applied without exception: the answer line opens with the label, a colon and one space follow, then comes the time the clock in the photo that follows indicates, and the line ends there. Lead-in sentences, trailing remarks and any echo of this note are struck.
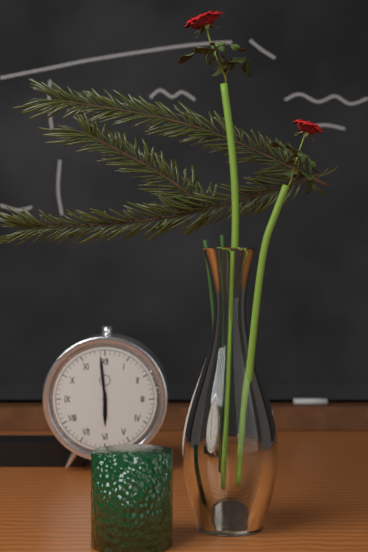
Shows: 5:59
